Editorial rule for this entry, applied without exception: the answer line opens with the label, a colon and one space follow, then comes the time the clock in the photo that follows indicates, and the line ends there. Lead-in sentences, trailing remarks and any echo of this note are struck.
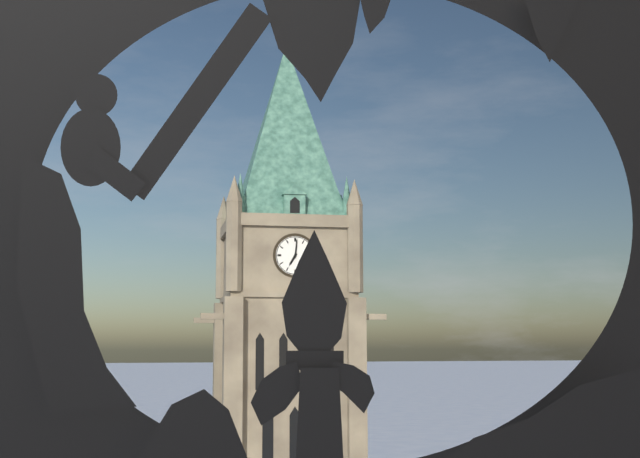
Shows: 7:01
